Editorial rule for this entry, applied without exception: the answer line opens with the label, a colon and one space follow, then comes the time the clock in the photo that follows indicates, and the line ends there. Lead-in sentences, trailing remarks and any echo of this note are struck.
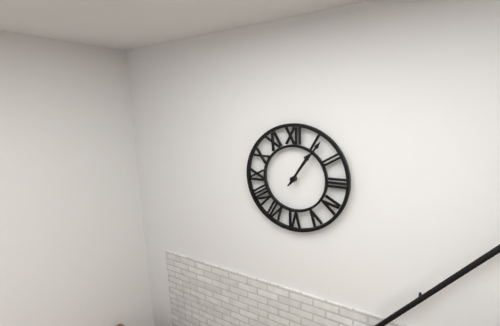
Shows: 1:06
